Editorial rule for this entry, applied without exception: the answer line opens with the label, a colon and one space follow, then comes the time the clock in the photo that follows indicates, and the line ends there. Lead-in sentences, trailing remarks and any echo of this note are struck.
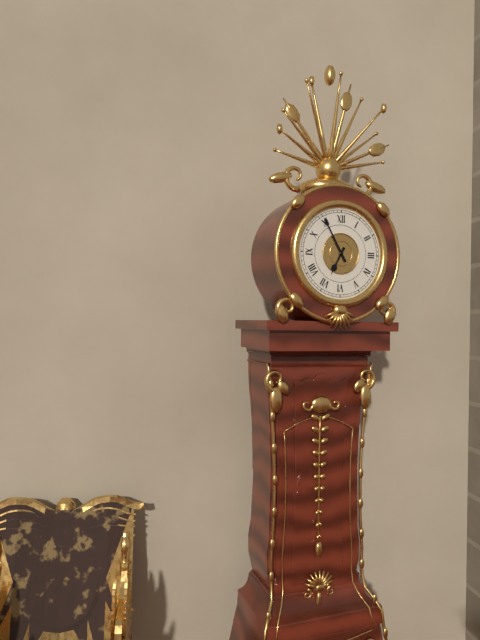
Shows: 6:55
